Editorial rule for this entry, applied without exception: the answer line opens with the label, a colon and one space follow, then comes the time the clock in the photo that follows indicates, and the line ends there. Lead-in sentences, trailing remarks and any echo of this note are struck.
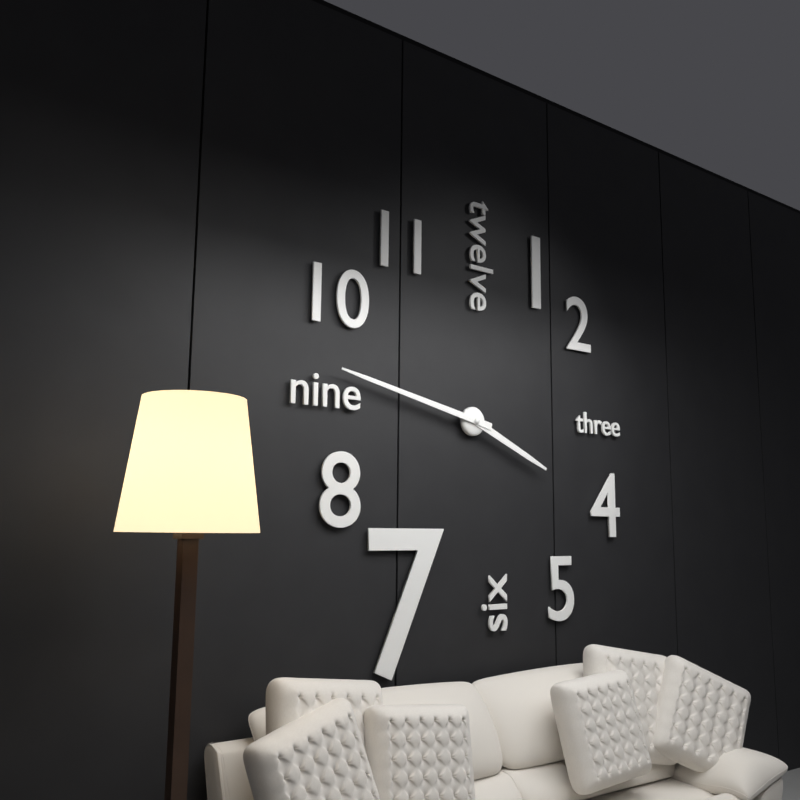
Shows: 3:47
